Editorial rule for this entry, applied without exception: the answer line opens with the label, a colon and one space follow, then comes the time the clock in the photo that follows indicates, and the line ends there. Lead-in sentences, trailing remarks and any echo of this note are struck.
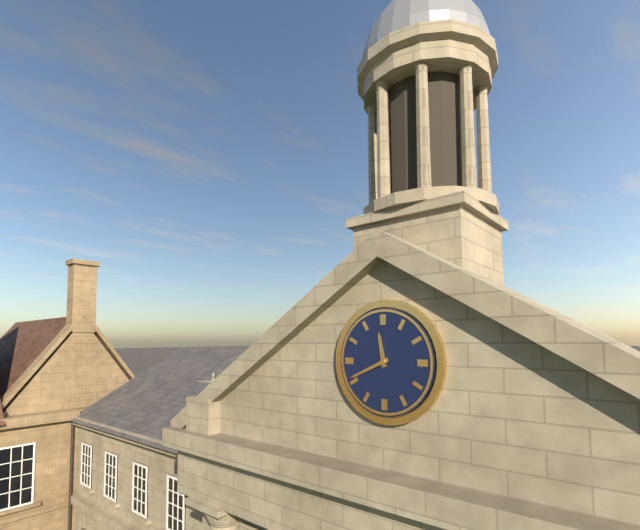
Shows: 11:41
